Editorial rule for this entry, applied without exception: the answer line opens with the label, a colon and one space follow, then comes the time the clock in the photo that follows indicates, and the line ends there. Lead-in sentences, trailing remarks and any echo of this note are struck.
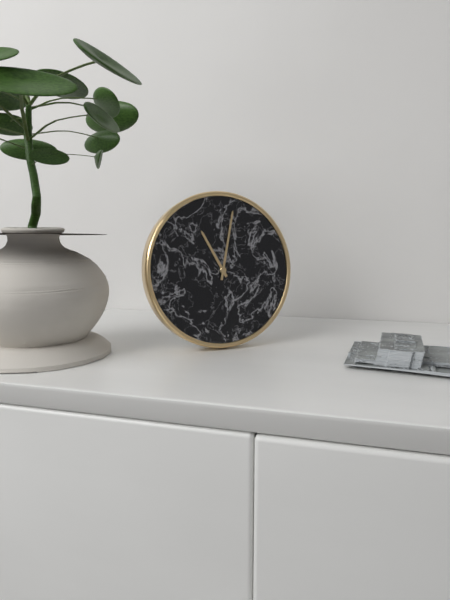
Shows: 11:02
